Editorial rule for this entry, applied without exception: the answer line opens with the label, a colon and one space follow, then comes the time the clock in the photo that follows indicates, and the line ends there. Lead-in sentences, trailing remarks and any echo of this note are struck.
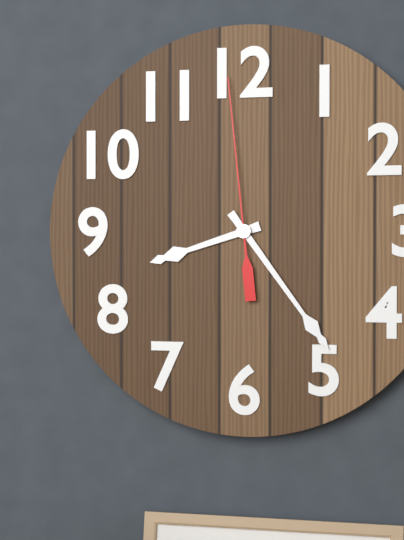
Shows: 8:24:59
